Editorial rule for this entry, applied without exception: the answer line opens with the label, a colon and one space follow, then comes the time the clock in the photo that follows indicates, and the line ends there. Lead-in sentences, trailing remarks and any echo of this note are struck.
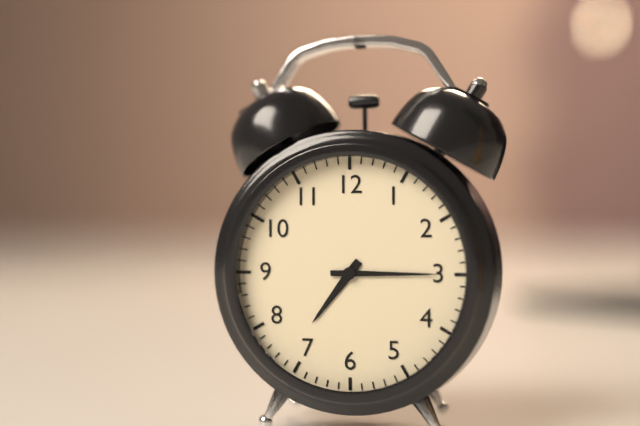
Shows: 7:15
